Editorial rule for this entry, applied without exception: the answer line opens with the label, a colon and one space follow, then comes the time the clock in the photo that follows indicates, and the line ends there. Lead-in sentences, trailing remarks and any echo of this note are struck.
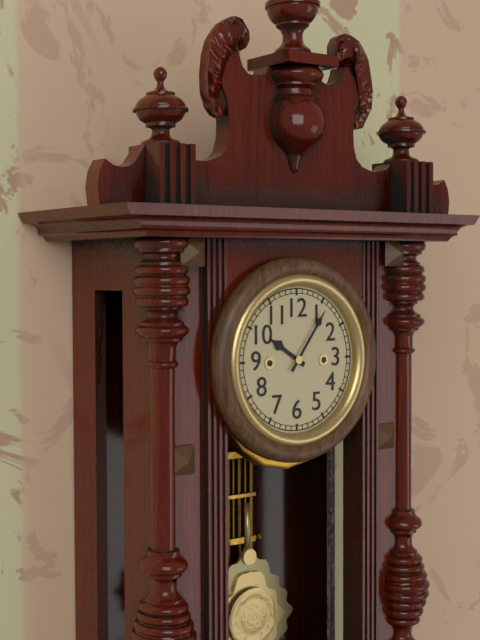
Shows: 10:06
